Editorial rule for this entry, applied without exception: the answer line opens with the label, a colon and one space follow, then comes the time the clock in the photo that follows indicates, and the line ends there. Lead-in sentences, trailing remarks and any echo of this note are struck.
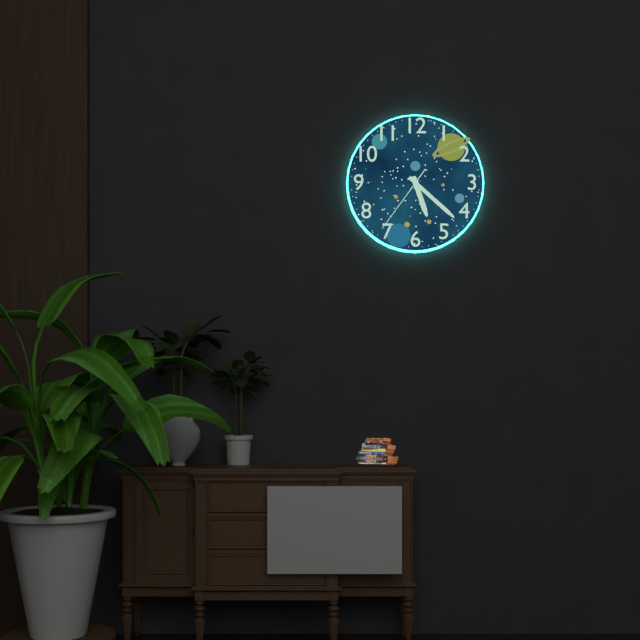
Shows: 5:22:36
